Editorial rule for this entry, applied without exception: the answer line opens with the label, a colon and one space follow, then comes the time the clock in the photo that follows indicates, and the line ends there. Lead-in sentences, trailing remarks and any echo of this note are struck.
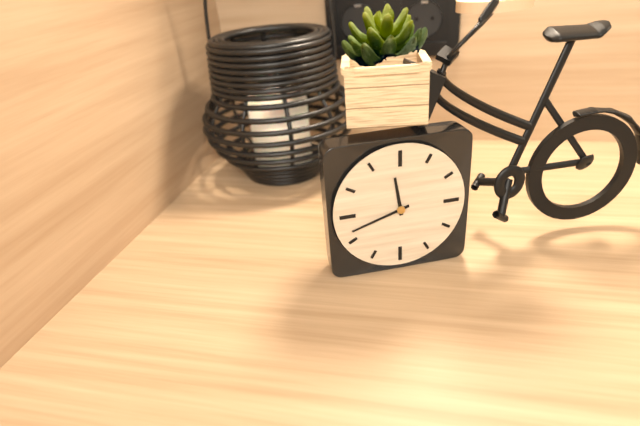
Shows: 11:42
